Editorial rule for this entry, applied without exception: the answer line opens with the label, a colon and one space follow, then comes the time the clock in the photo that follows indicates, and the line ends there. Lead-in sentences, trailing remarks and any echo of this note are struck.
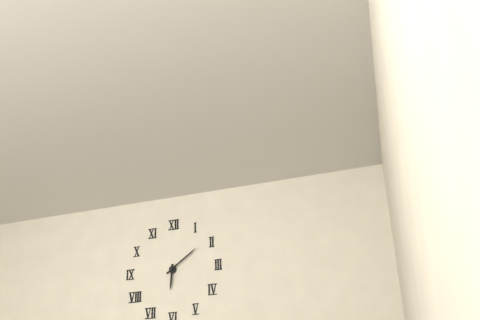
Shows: 6:09
